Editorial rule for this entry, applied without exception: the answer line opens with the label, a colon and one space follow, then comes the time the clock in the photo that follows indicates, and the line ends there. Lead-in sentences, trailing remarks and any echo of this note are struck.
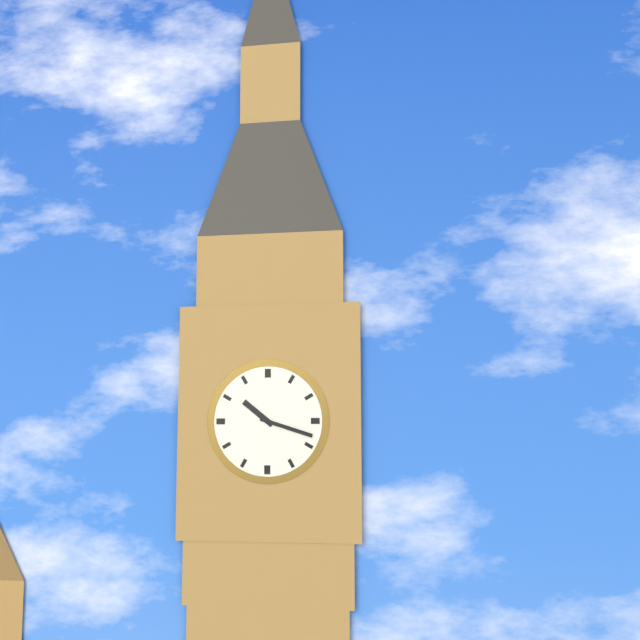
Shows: 10:18
